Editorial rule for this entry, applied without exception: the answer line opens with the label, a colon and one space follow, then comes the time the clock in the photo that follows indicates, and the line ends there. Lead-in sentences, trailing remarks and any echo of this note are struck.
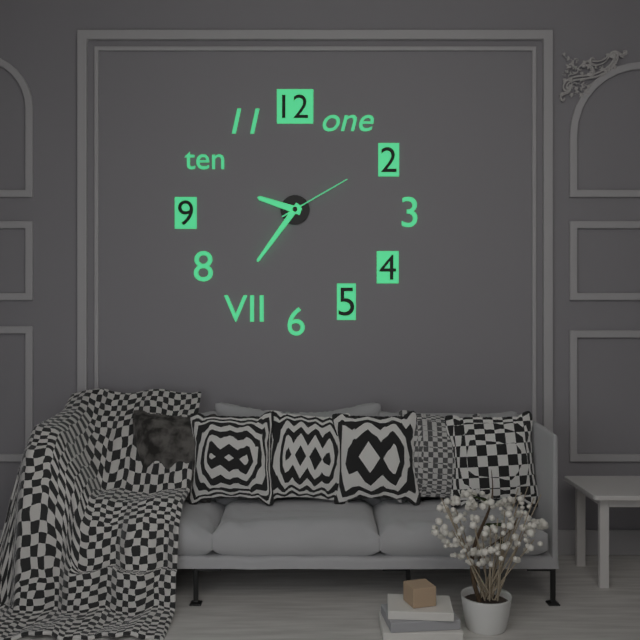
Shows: 9:36:10
